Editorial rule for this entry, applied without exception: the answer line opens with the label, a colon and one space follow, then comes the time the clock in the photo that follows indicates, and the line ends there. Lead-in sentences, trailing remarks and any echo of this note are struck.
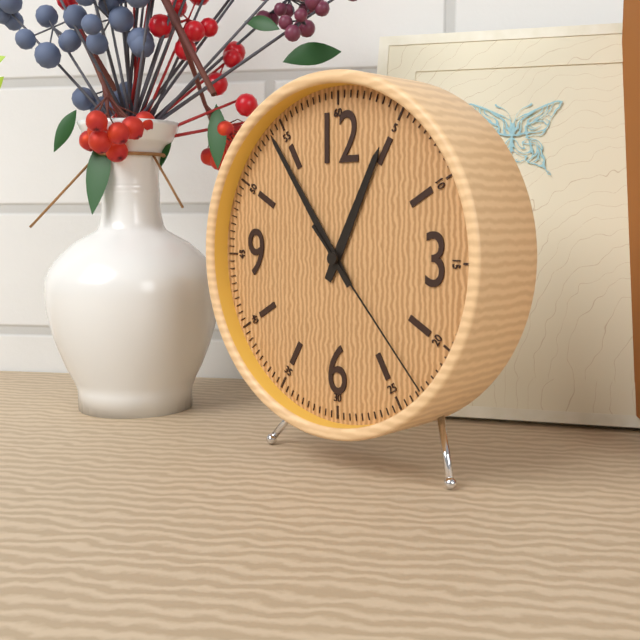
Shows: 12:54:23
